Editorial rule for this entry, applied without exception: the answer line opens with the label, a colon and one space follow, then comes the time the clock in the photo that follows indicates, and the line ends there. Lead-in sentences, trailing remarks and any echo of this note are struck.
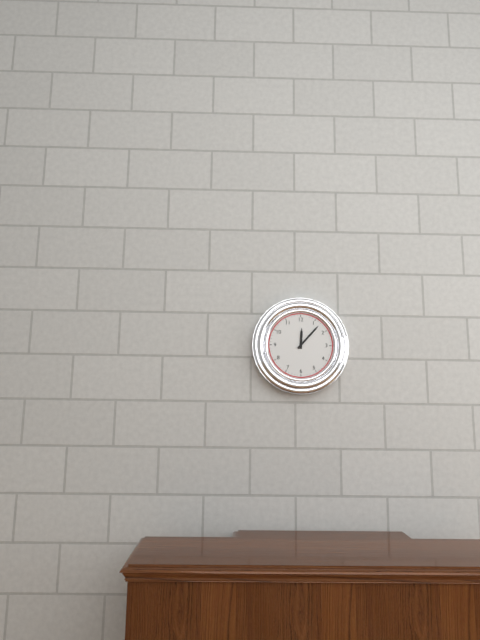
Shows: 12:07
